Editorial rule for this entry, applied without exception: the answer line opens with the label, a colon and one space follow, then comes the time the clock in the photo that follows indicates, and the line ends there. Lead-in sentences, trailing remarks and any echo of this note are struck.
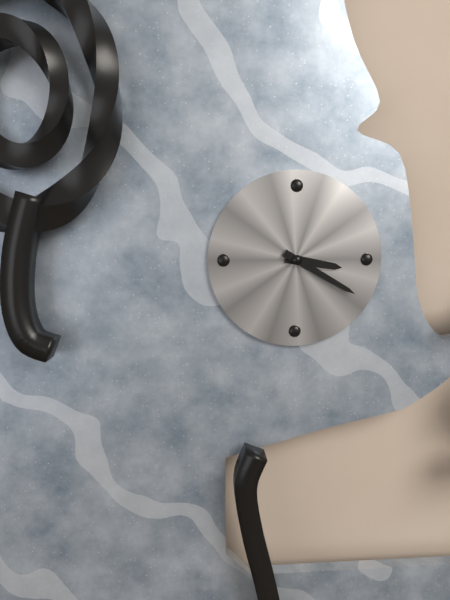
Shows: 3:20
